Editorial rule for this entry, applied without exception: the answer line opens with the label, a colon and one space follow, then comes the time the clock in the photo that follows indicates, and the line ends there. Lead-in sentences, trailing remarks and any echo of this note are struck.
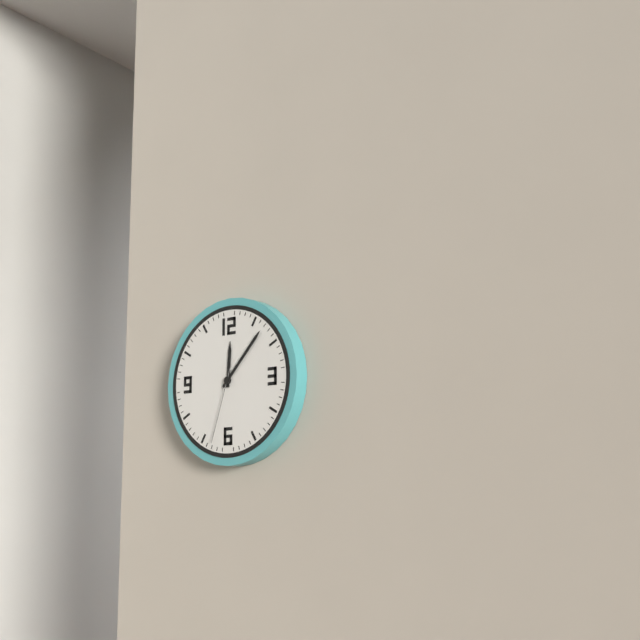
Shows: 12:07:33
